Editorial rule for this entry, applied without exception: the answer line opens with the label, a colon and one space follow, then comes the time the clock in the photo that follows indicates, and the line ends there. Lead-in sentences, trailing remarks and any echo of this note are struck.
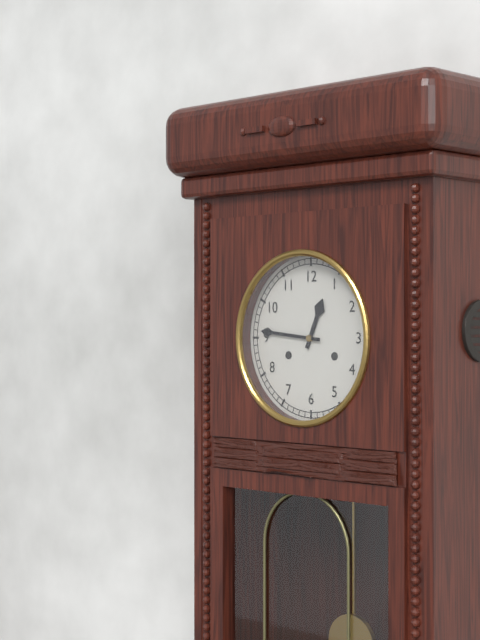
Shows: 12:46
